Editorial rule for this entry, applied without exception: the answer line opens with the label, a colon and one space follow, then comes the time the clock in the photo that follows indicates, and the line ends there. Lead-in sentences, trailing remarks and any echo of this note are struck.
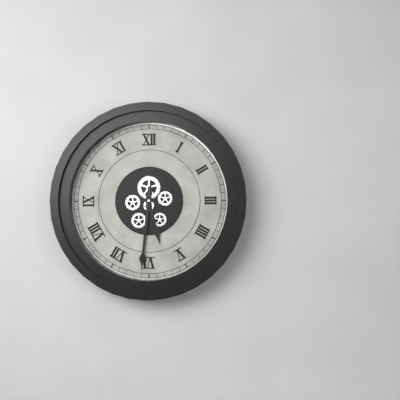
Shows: 5:31
